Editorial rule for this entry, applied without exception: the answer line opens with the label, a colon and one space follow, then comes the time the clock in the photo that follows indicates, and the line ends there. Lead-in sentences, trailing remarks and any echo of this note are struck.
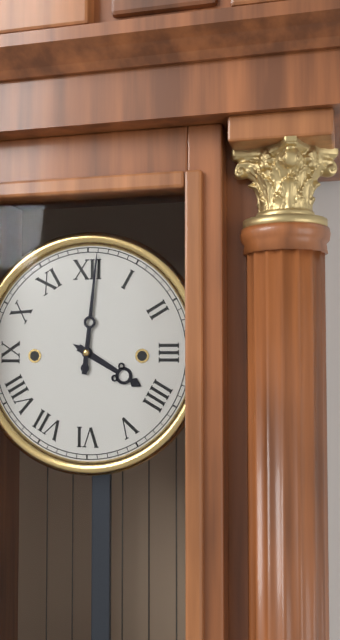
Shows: 4:01
